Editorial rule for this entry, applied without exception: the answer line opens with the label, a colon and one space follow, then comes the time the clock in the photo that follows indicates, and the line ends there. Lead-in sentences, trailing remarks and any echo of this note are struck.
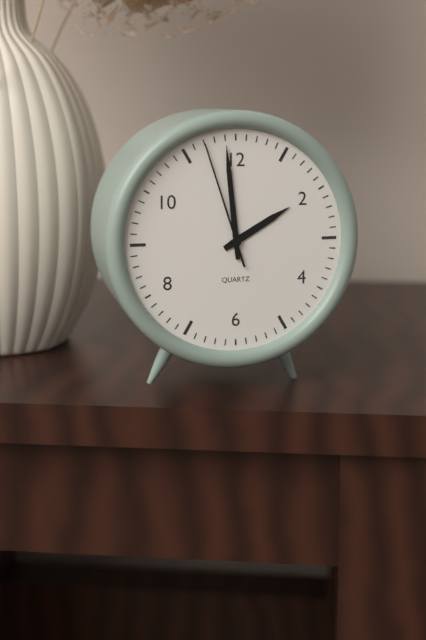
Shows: 1:59:57
